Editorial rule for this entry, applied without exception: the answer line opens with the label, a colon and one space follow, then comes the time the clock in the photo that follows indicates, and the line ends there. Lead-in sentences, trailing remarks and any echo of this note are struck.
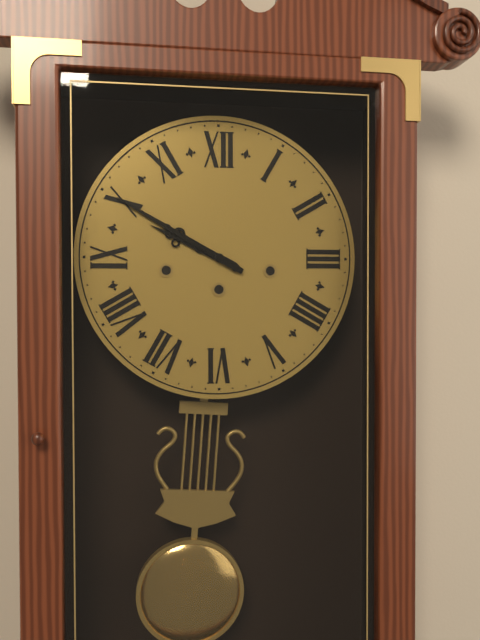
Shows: 9:50
